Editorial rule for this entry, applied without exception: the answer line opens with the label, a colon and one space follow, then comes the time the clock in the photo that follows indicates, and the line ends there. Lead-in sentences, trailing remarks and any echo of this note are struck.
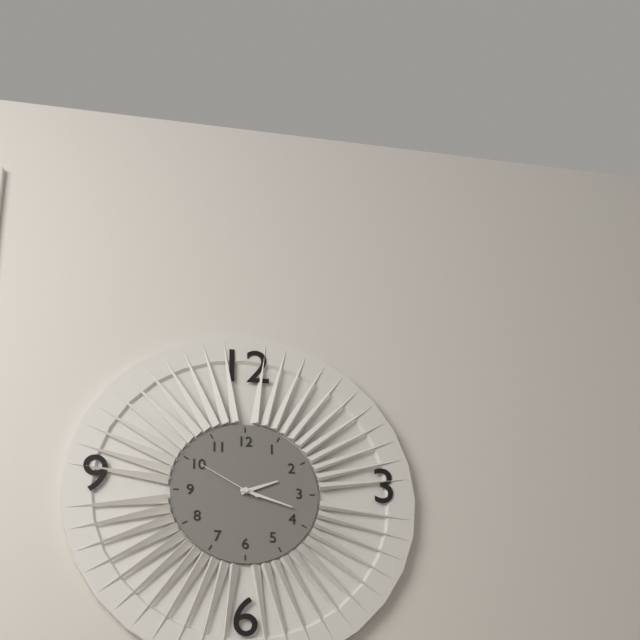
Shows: 2:18:50
